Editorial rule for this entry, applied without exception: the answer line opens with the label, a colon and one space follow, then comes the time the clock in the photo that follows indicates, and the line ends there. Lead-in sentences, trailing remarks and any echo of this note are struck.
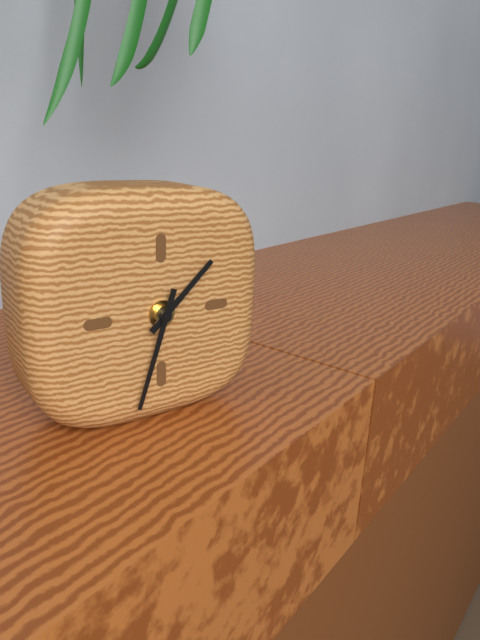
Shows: 1:33
